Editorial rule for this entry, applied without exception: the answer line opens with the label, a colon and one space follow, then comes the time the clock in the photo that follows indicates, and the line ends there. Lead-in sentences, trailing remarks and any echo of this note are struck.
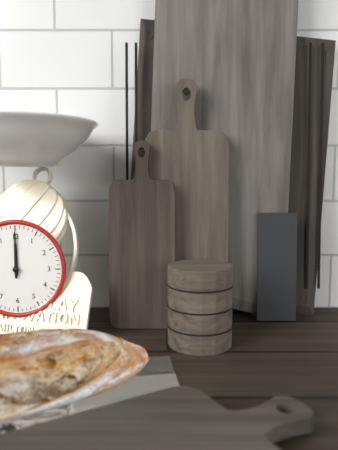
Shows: 12:00
